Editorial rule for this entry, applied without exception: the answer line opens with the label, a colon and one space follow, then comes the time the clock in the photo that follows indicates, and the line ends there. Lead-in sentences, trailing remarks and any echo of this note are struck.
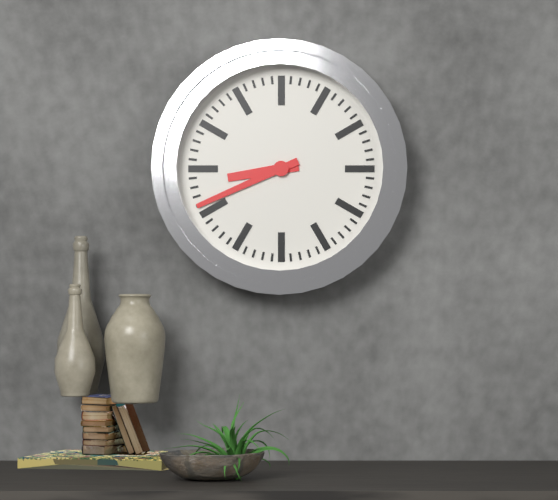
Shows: 8:41
